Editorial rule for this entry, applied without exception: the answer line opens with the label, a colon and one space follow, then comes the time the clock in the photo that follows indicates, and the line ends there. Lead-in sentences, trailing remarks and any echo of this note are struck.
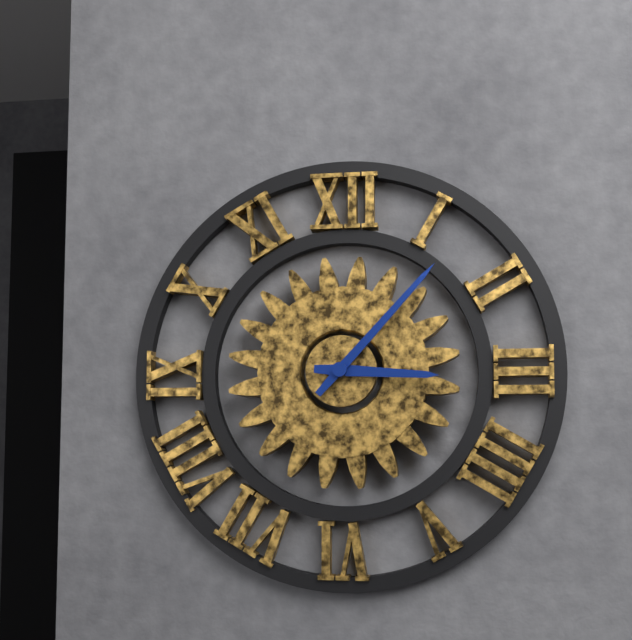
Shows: 3:07
